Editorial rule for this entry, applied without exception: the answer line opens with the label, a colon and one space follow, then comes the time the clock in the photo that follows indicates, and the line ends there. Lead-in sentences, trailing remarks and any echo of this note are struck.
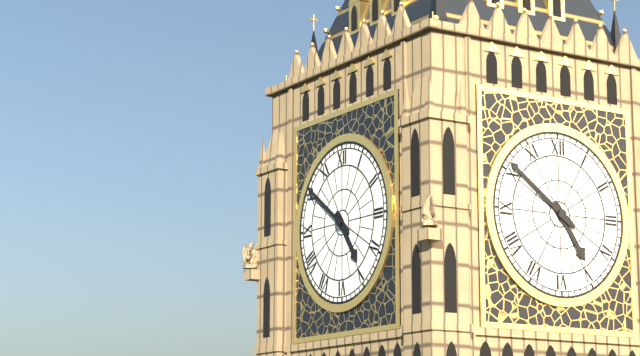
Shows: 4:51
